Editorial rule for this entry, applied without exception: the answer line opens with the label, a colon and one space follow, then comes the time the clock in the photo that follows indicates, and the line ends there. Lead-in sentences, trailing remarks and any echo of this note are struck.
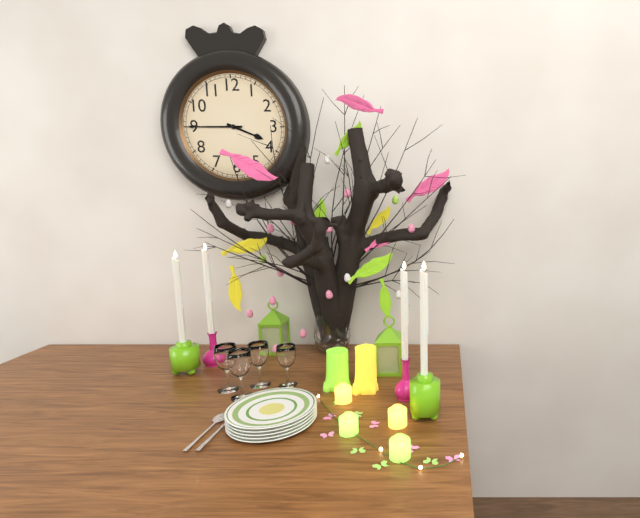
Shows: 3:45
